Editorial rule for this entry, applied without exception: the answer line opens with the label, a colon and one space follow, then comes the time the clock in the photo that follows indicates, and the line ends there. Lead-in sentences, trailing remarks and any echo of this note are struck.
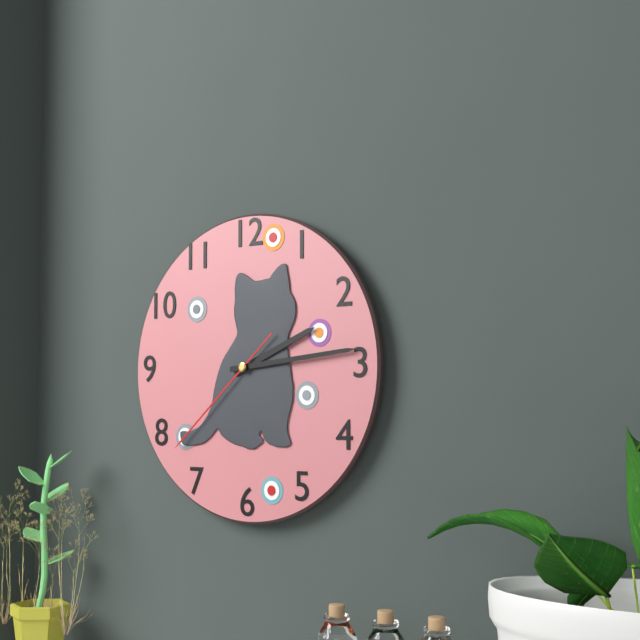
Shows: 2:14:38
